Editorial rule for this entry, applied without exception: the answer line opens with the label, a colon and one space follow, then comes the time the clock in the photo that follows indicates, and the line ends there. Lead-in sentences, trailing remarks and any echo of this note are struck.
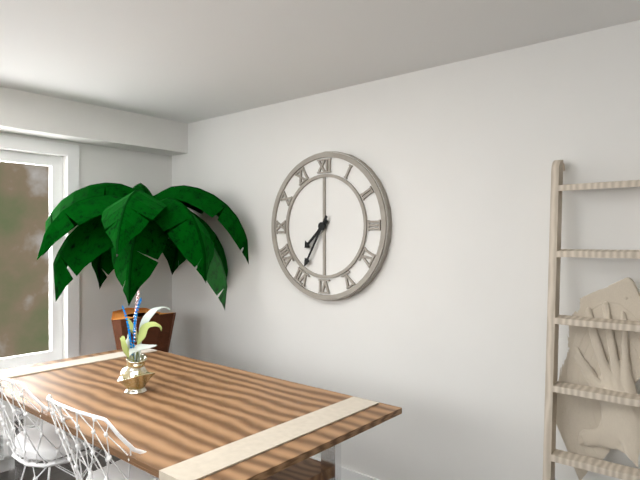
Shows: 7:35
